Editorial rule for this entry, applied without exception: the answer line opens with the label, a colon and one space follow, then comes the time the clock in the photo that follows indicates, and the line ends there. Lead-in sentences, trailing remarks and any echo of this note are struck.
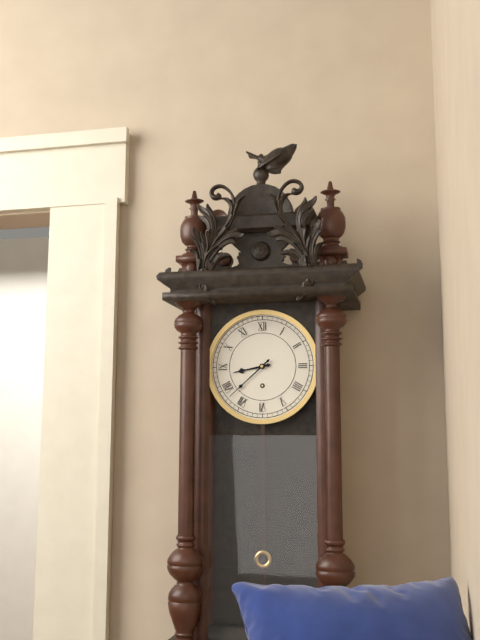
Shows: 8:38
